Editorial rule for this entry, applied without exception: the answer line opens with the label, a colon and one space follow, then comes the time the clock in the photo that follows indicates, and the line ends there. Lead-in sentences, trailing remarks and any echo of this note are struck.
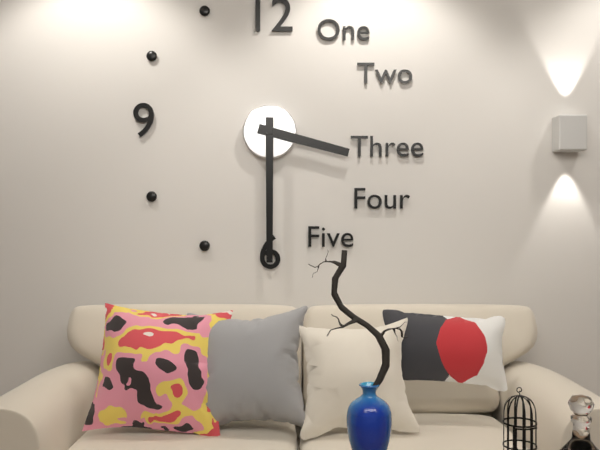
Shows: 3:30
